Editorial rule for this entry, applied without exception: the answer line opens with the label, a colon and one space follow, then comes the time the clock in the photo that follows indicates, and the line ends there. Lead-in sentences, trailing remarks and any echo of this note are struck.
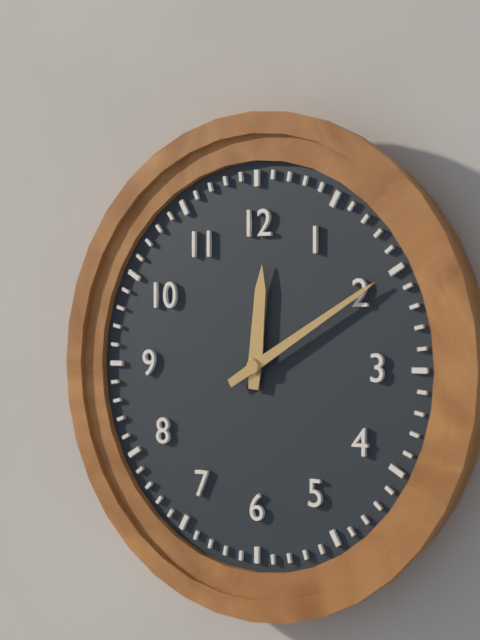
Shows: 12:10
